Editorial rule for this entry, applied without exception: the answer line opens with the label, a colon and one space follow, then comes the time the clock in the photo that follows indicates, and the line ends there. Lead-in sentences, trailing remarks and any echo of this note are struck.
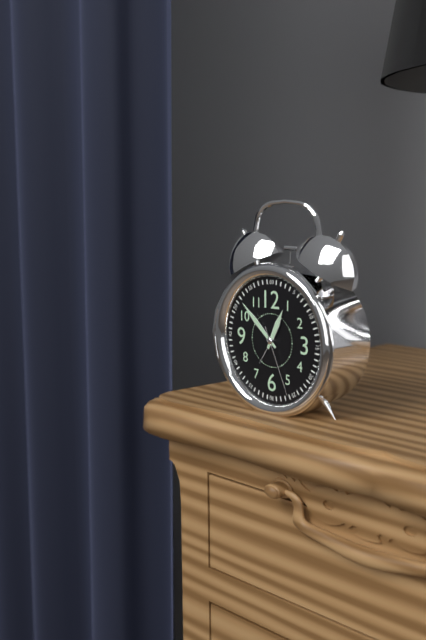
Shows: 12:52:26
